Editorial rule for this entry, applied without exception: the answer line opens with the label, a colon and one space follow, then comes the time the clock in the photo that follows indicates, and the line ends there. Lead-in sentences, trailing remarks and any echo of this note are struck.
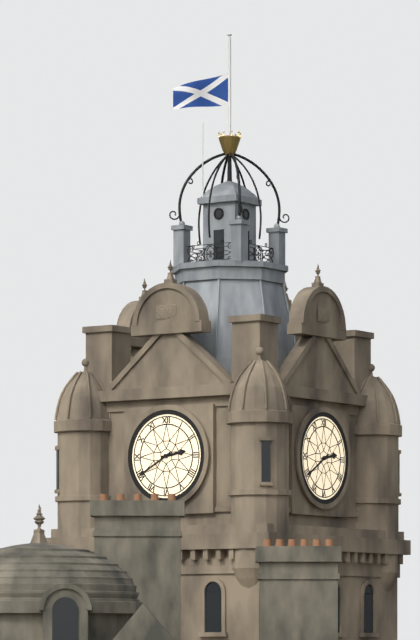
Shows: 2:40
